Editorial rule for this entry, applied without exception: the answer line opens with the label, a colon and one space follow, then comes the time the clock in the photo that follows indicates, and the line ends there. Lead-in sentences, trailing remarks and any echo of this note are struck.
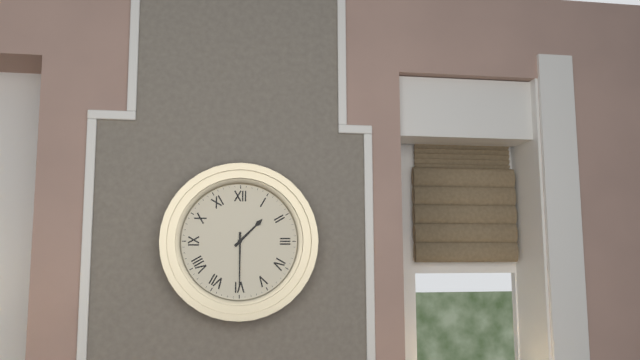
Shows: 1:30
